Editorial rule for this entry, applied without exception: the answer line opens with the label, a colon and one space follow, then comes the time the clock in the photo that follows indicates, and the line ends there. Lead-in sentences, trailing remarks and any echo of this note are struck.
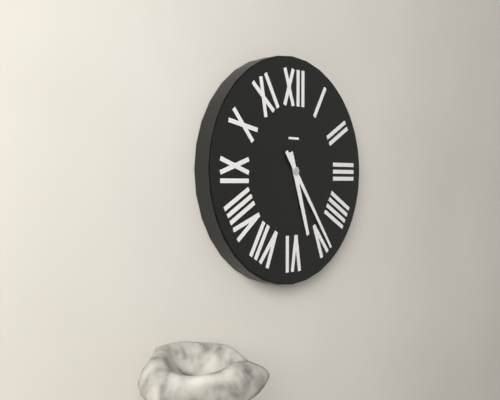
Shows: 5:24
